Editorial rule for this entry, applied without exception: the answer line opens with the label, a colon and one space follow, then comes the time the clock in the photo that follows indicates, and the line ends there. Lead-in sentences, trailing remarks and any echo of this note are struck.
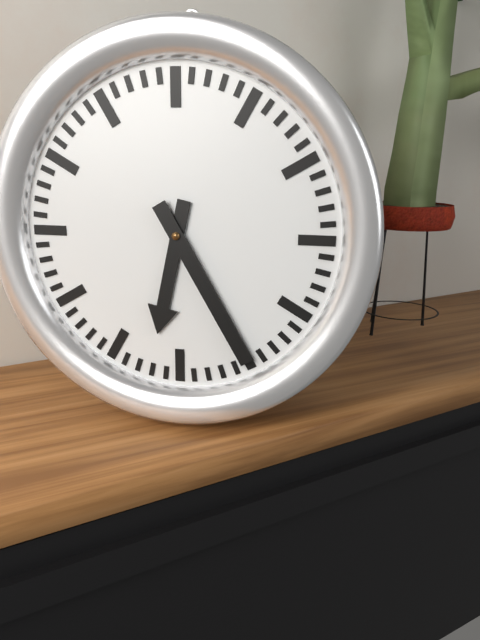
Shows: 6:25
